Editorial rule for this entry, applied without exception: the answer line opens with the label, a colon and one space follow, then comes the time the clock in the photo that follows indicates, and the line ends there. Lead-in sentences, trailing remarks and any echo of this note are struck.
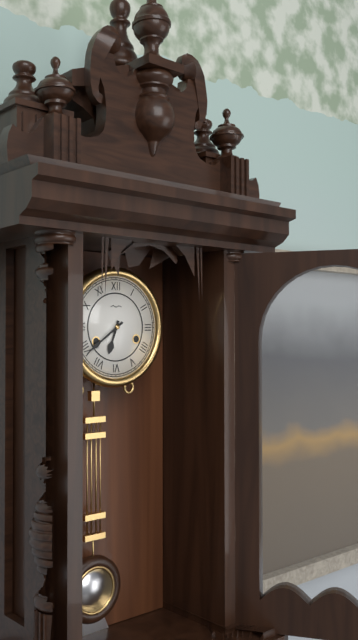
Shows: 6:39
